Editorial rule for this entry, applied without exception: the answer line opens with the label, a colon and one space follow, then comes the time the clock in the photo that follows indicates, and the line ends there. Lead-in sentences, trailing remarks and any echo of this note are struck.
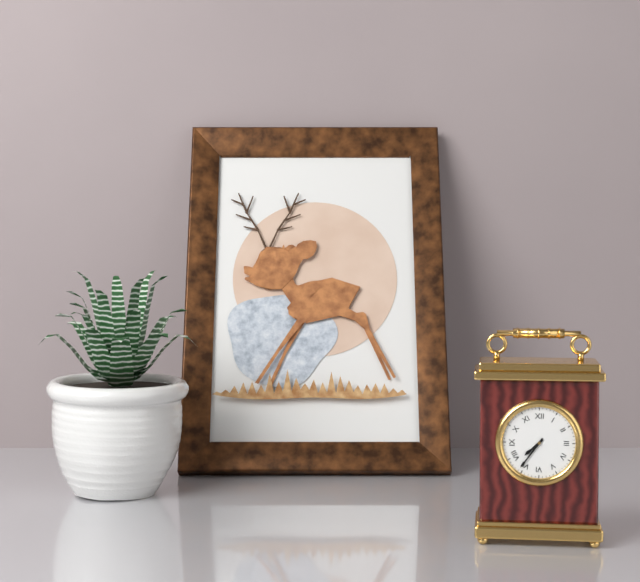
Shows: 7:36
